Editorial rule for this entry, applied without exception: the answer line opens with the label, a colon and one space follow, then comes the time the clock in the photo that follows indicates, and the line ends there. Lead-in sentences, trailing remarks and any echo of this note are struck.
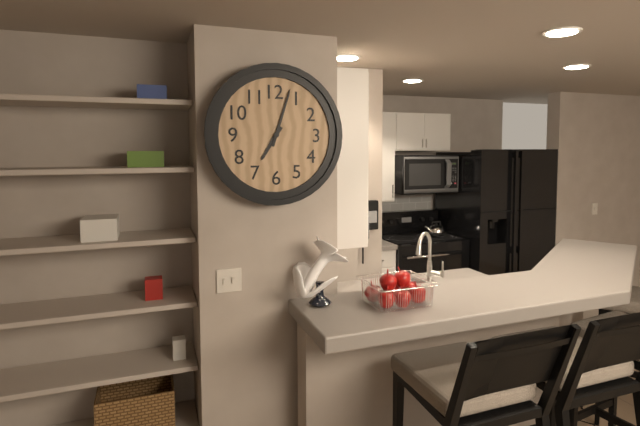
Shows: 7:03
